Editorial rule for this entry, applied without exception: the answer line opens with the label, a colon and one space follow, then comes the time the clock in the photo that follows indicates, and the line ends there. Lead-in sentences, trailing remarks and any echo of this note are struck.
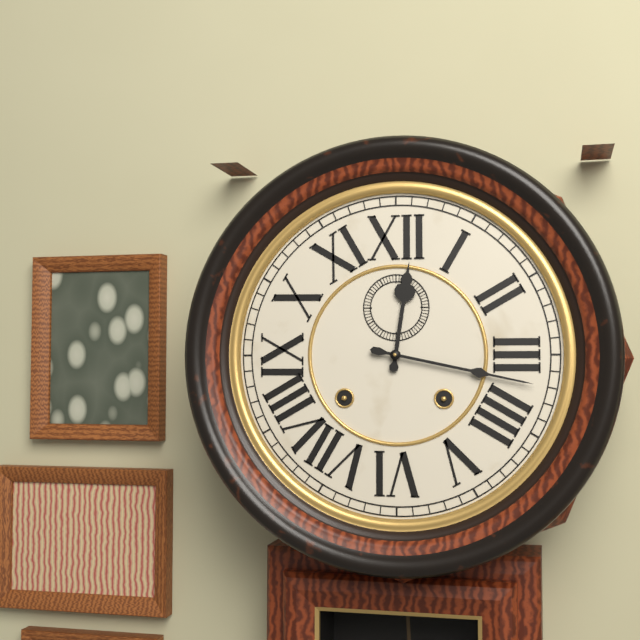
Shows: 12:17
